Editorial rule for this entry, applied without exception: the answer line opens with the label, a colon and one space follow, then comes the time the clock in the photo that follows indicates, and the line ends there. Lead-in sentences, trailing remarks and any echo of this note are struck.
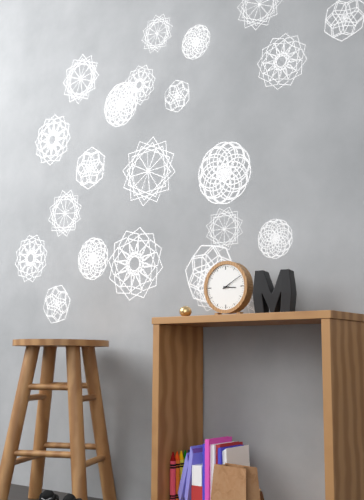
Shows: 3:10
